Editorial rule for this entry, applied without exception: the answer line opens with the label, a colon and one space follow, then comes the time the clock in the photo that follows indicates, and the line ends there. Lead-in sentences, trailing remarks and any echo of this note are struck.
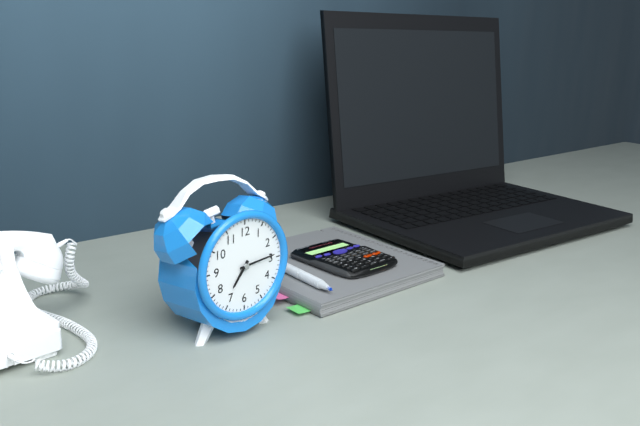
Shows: 7:14
